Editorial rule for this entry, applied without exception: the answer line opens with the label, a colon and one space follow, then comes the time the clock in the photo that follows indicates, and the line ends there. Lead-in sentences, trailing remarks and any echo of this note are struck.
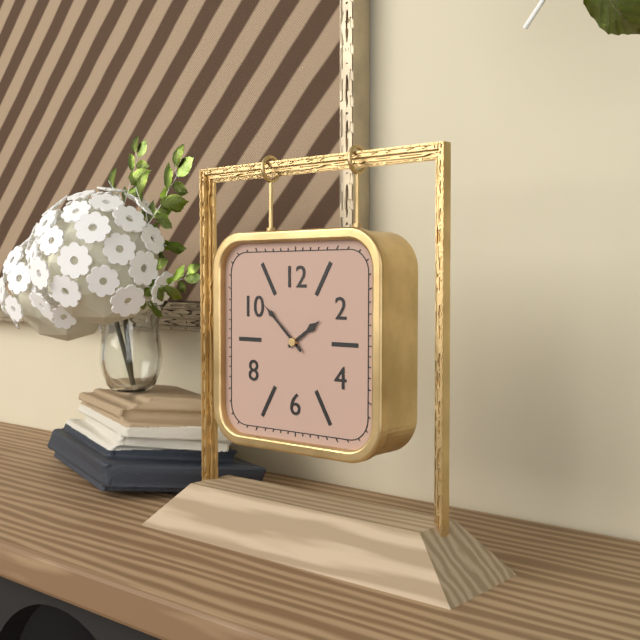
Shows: 1:52
